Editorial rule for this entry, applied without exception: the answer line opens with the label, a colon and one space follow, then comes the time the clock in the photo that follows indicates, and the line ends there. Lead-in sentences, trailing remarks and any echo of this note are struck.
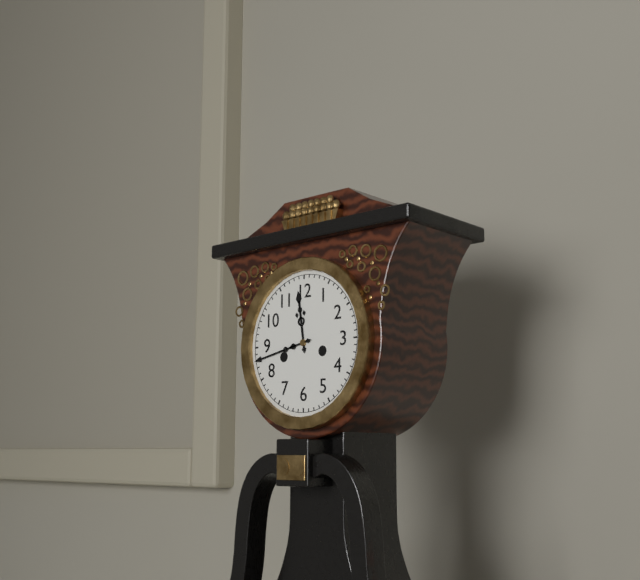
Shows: 11:43
